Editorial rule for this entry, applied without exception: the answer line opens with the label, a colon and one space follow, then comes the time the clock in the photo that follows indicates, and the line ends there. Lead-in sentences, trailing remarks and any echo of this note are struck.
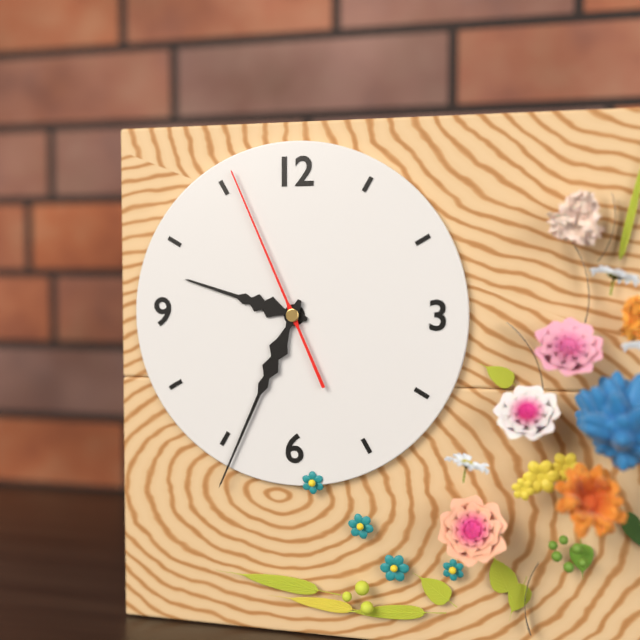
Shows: 9:34:56
